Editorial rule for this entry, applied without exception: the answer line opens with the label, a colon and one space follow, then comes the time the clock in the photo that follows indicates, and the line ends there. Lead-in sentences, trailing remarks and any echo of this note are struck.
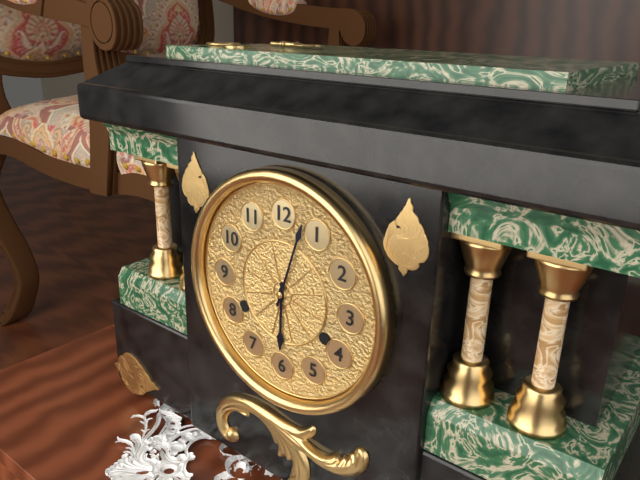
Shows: 6:03
